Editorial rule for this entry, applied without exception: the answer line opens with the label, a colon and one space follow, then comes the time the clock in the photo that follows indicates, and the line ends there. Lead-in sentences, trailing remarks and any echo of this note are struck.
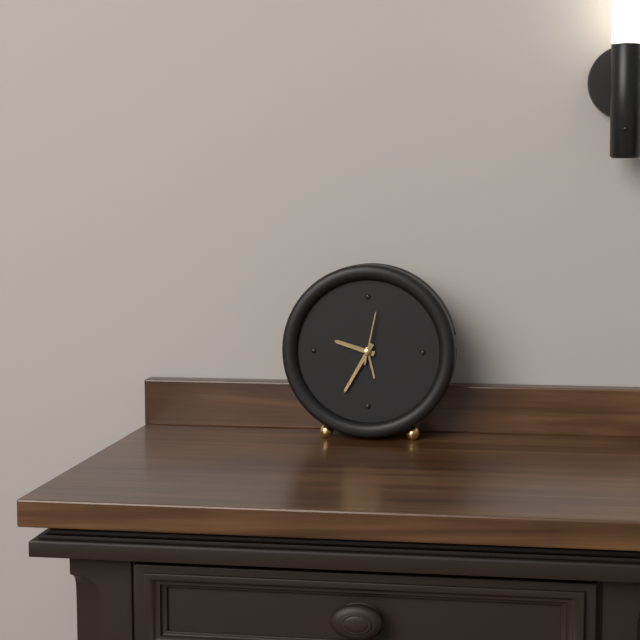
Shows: 9:35:02
